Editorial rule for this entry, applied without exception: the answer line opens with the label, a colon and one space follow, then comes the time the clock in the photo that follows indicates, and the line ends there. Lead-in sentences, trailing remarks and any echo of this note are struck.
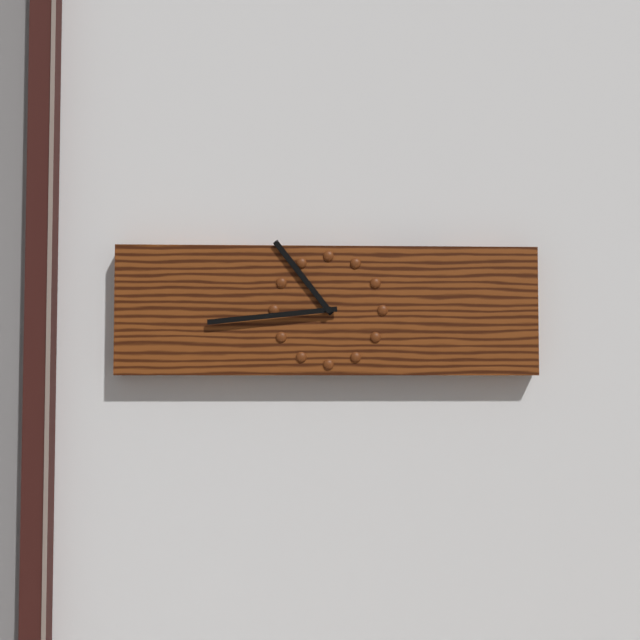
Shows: 10:44
